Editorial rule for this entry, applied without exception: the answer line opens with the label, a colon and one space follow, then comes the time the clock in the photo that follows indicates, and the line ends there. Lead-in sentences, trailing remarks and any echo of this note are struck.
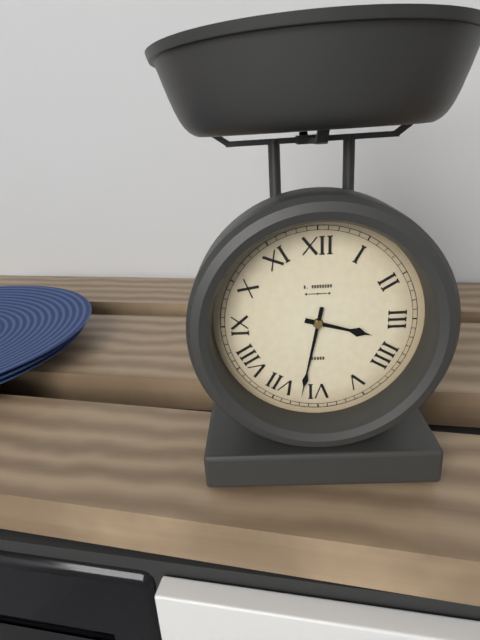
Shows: 3:32
